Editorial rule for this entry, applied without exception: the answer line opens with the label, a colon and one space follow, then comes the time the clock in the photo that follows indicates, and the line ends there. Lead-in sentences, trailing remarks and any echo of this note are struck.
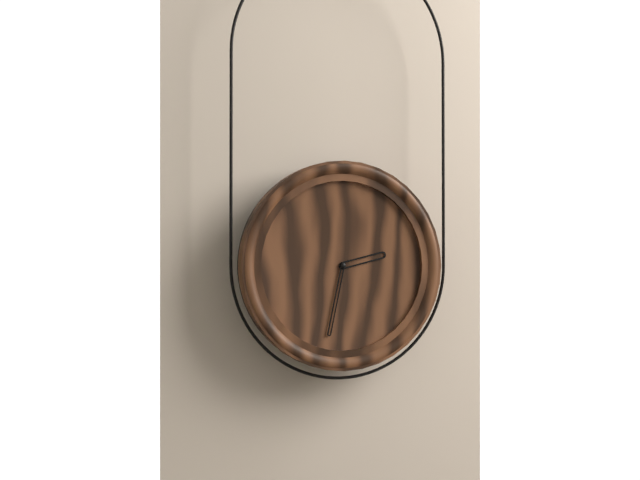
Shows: 2:32
